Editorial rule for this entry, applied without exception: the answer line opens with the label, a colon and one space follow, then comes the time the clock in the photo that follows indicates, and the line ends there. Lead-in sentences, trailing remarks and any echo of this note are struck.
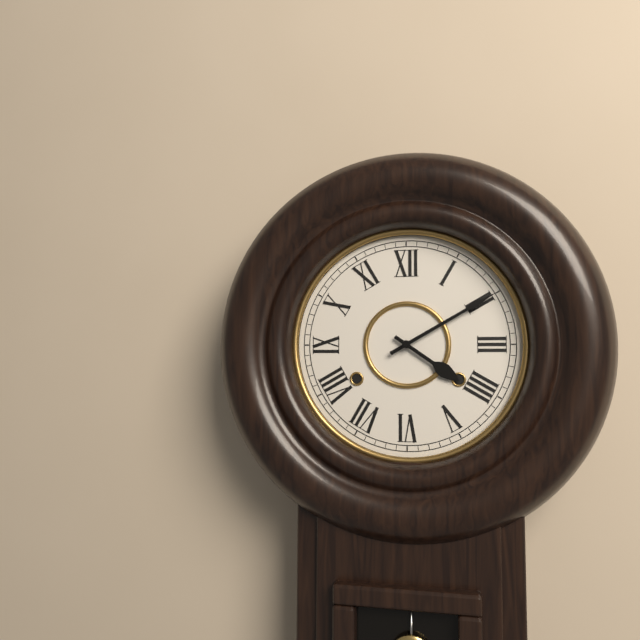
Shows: 4:10
